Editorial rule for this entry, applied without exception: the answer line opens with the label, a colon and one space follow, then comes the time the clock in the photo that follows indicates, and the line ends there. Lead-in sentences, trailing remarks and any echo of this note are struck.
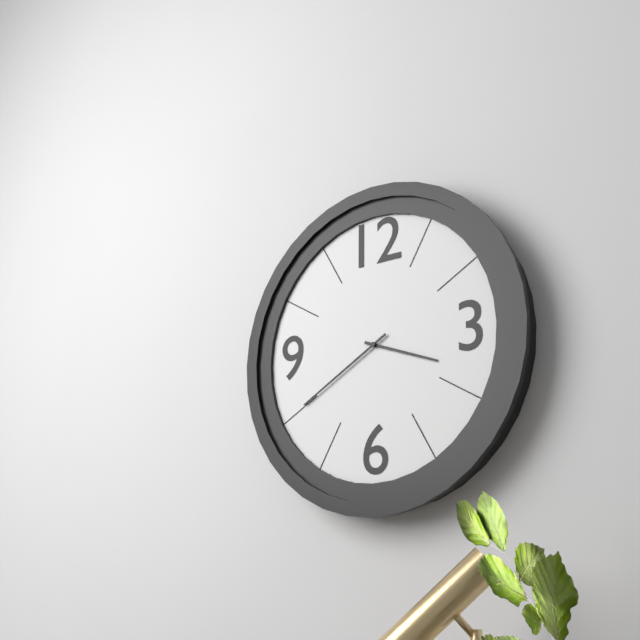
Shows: 3:40
